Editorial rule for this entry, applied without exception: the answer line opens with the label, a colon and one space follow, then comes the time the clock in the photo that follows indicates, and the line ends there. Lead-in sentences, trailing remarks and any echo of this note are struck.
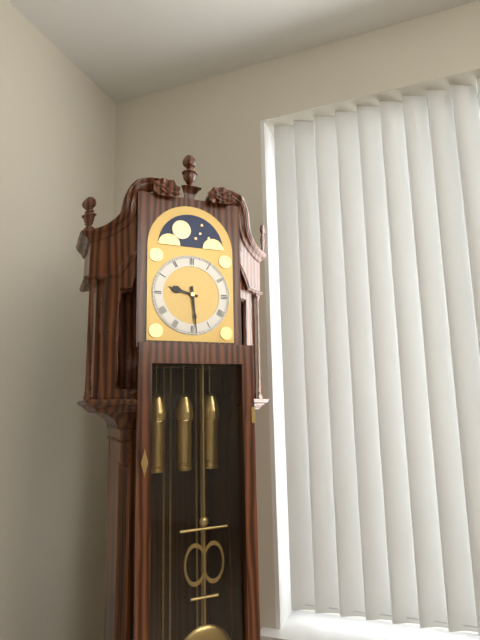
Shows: 9:29
